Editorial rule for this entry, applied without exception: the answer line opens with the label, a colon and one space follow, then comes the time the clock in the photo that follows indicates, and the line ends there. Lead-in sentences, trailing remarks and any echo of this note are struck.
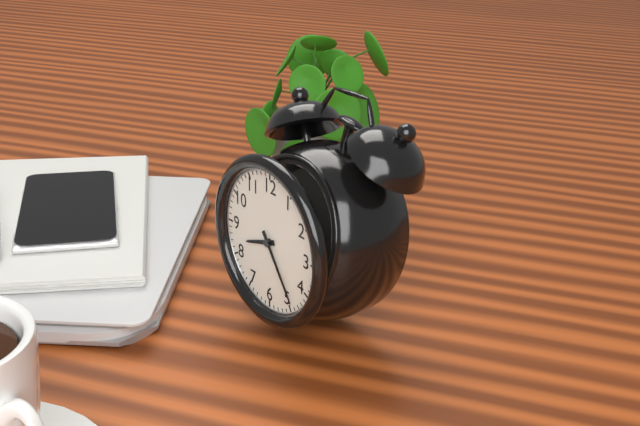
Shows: 8:24
